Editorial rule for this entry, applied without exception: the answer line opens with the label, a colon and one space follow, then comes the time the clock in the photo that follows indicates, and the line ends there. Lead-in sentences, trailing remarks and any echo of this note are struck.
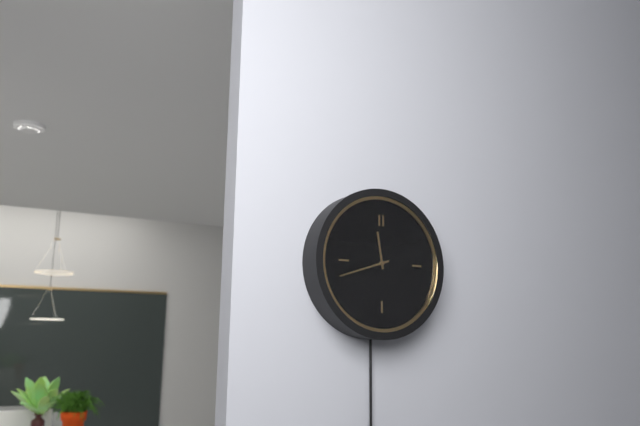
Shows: 11:42
